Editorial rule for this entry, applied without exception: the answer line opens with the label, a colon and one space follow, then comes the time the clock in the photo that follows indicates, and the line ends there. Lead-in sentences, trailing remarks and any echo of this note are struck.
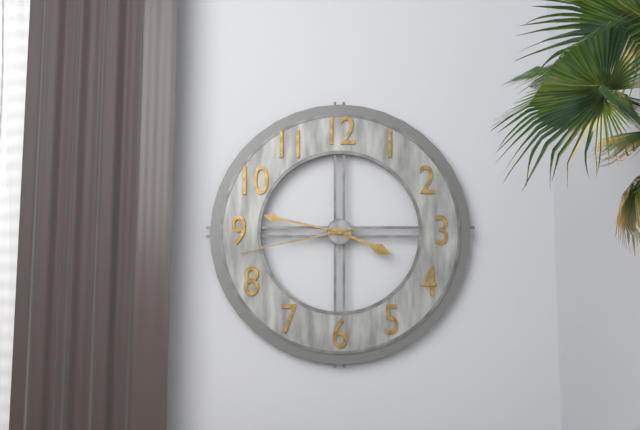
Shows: 3:47:43
